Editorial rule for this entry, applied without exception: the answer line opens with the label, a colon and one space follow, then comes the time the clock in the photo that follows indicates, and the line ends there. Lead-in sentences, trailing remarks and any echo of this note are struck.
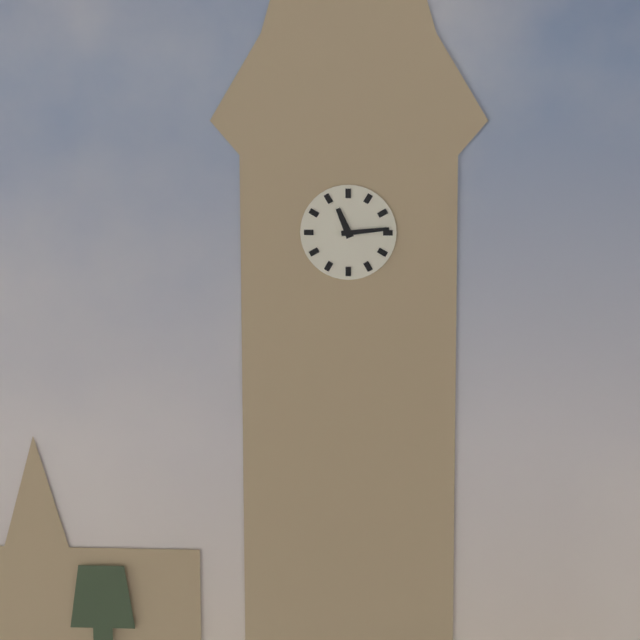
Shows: 11:14
